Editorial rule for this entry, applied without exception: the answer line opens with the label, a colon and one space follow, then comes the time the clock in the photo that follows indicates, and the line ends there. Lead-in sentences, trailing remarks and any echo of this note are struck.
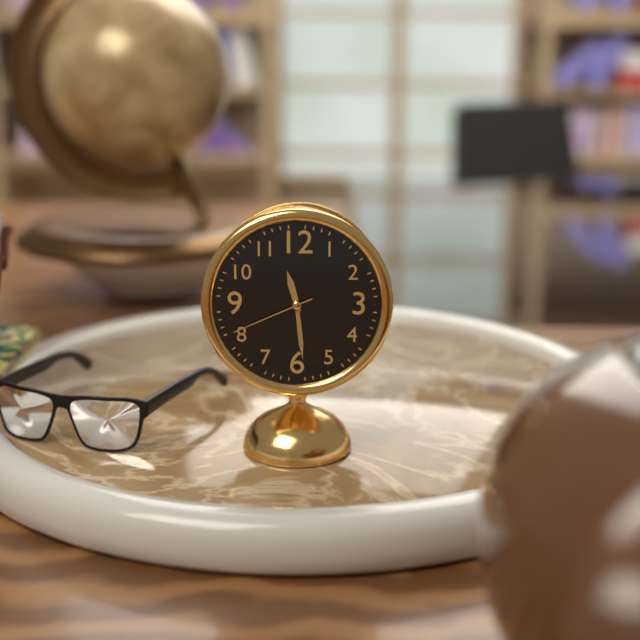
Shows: 11:29:41
